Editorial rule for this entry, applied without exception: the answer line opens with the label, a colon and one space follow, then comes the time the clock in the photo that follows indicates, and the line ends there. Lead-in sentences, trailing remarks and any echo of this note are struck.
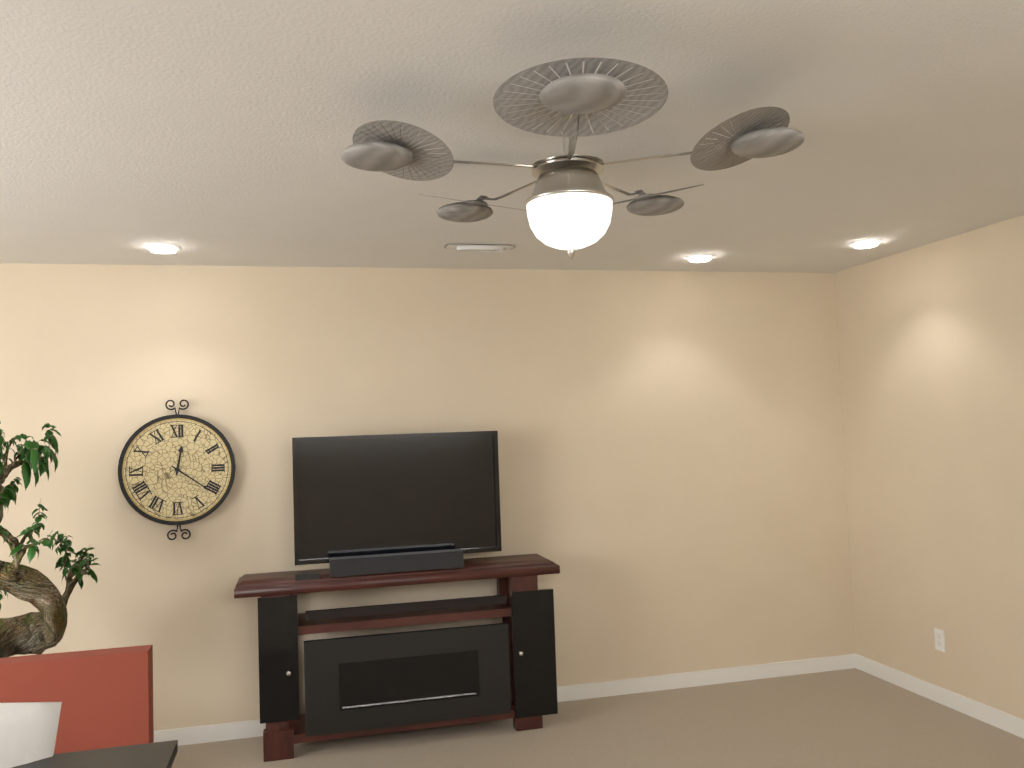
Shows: 12:21
